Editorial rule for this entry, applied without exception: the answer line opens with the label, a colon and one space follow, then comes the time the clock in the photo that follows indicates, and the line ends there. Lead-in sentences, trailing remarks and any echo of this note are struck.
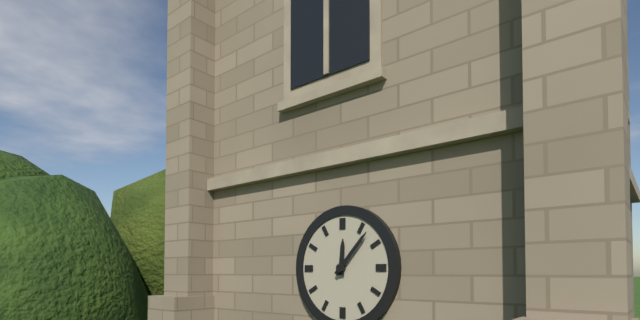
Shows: 12:07
